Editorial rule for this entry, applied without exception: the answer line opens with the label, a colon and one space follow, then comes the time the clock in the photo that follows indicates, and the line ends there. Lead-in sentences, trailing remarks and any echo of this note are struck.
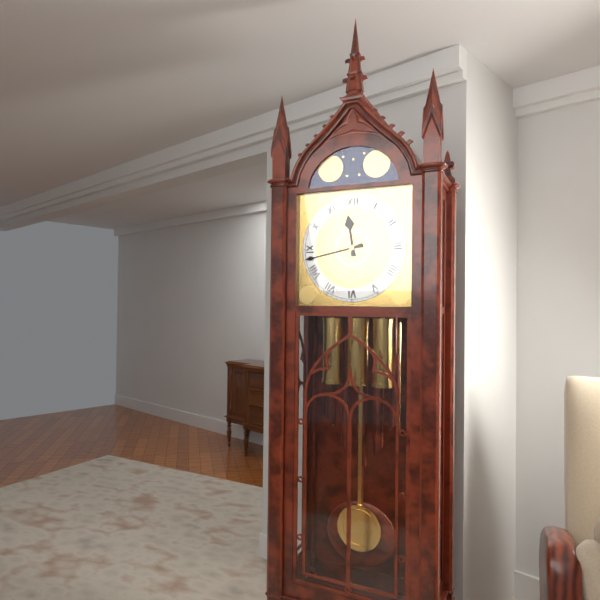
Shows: 11:43
